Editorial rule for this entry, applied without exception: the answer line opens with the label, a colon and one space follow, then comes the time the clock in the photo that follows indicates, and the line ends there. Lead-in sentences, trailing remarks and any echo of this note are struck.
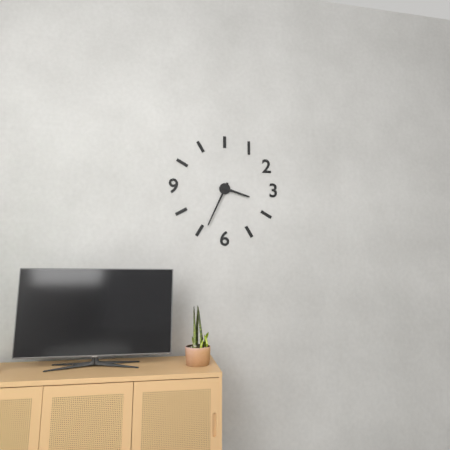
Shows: 3:34
